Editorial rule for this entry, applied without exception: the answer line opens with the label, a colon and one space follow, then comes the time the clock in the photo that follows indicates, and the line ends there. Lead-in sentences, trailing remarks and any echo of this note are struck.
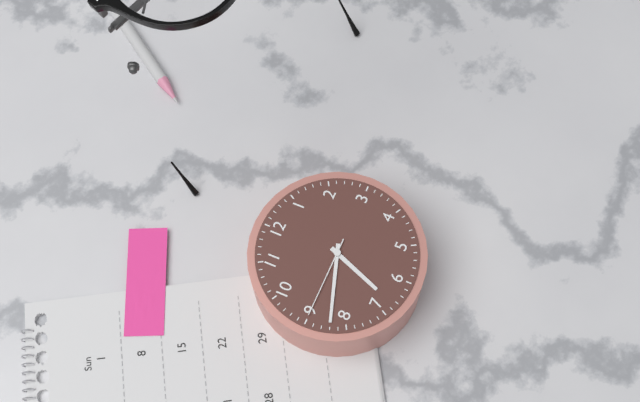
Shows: 6:42:45
